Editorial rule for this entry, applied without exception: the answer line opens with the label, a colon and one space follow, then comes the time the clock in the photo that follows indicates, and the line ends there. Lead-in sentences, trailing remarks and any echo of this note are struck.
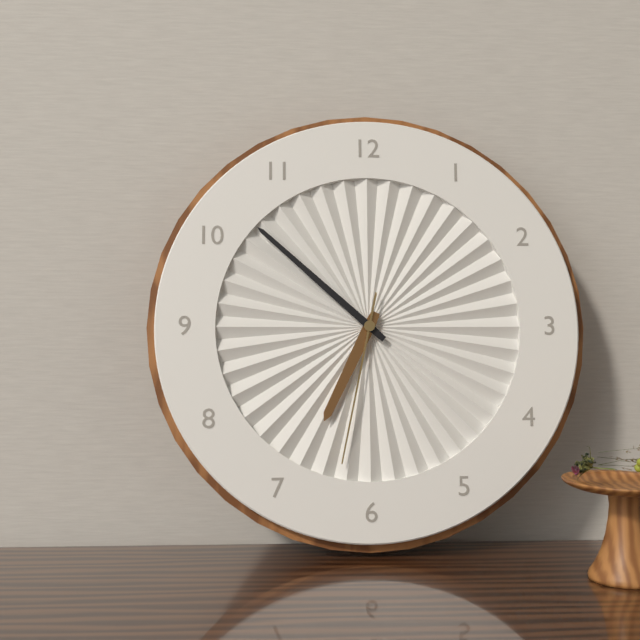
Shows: 6:52:32
